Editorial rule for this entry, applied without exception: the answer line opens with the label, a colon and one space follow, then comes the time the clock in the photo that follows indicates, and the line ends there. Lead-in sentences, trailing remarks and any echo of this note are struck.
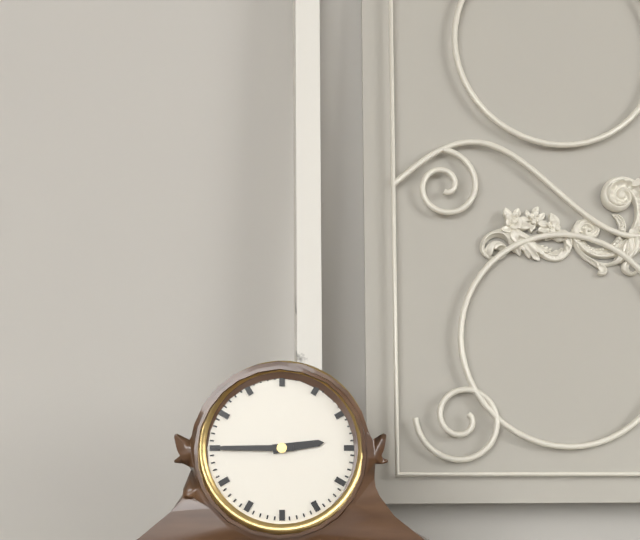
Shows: 2:45
